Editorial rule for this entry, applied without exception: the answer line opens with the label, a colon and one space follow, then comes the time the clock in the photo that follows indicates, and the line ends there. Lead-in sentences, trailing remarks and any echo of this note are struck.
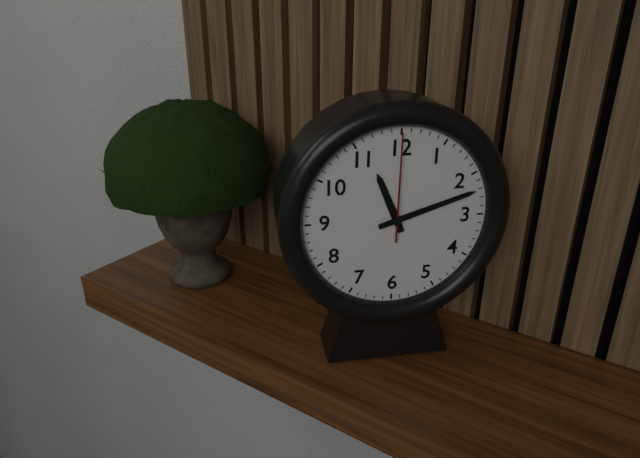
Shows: 11:12:00
